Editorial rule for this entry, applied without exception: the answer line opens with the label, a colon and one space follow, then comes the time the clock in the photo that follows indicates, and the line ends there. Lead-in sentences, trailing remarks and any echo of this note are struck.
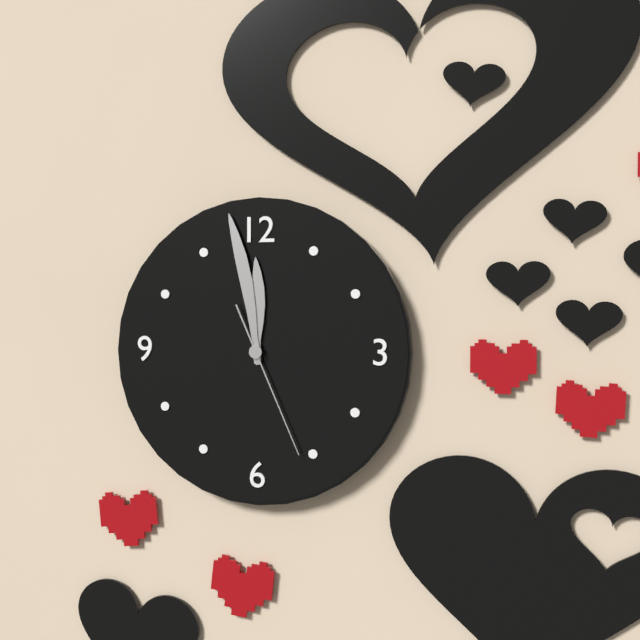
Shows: 11:58:26
